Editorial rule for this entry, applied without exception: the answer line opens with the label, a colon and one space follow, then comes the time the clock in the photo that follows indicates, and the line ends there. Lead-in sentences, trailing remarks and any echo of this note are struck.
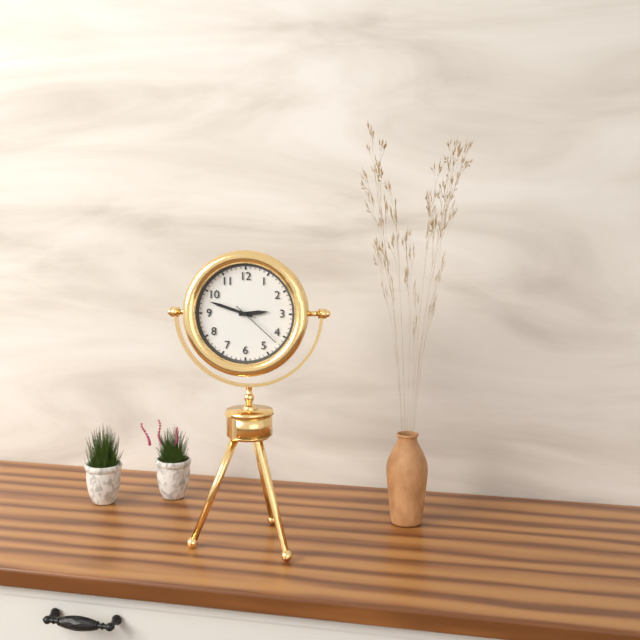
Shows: 2:48:22
